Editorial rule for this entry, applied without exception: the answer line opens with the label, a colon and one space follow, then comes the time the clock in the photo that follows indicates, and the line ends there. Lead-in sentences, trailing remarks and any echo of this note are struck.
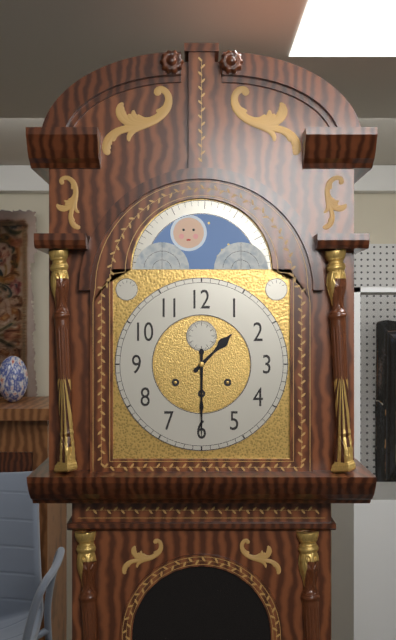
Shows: 1:30
